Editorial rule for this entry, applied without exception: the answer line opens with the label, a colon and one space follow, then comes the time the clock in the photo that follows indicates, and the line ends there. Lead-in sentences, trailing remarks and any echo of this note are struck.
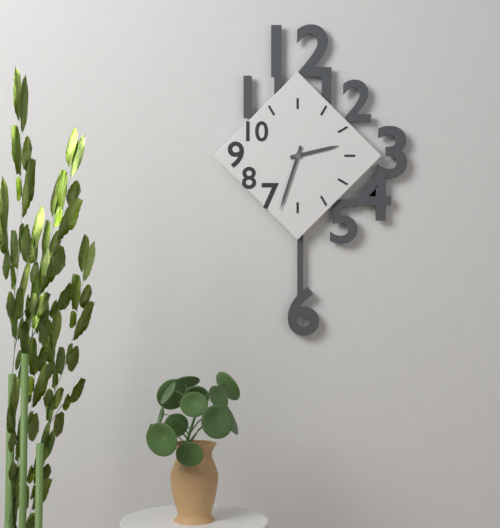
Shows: 2:33
